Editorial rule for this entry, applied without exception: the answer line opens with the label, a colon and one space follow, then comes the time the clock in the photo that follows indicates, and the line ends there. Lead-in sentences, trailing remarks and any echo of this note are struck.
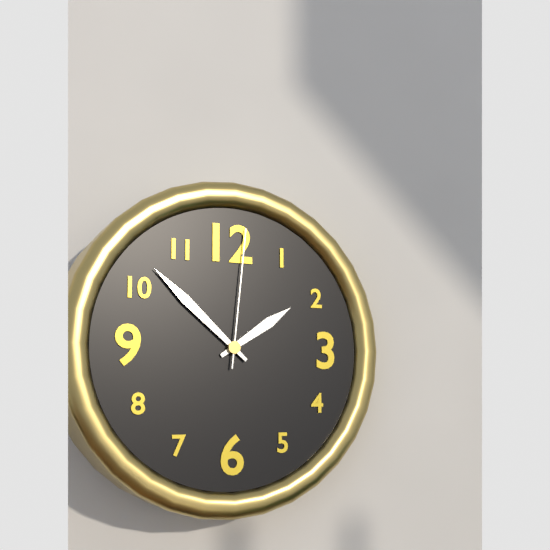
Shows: 1:52:01
